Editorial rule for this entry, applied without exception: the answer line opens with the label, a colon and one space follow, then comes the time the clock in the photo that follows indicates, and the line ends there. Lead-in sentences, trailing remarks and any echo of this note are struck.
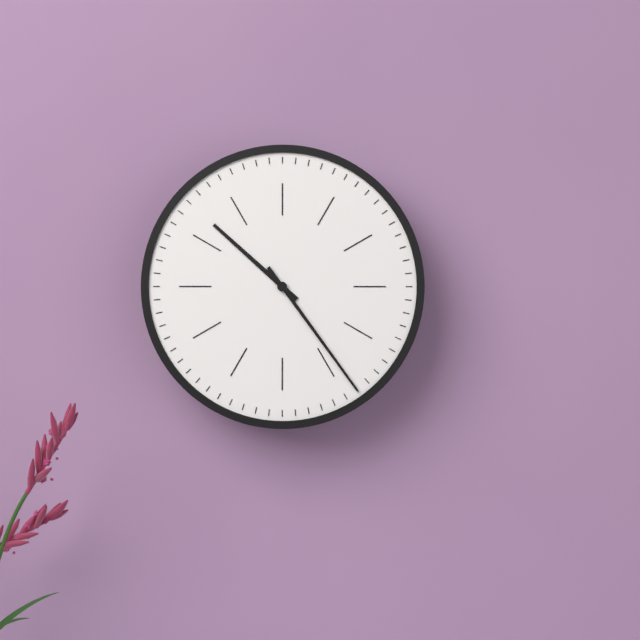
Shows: 10:24
